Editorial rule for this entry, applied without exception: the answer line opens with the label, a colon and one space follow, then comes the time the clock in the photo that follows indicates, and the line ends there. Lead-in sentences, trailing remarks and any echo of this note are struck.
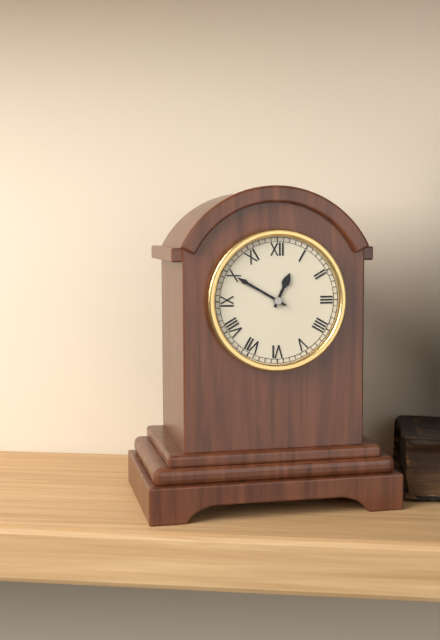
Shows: 12:50
